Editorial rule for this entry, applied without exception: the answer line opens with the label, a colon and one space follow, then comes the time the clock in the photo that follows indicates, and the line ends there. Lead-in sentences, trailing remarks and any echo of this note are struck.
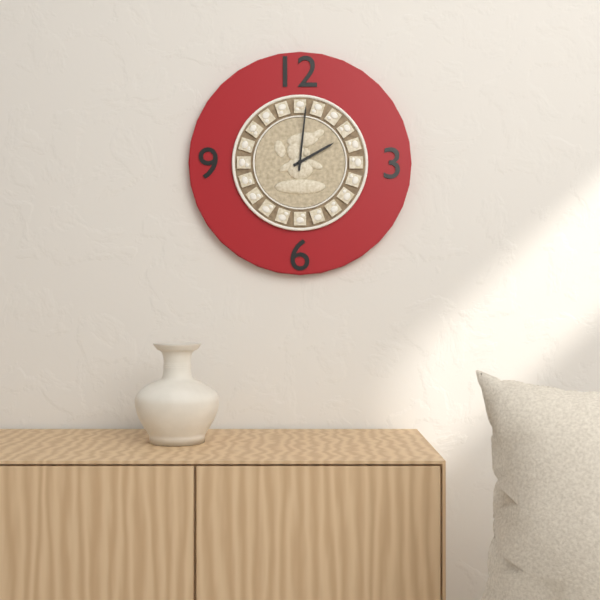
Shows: 2:01
